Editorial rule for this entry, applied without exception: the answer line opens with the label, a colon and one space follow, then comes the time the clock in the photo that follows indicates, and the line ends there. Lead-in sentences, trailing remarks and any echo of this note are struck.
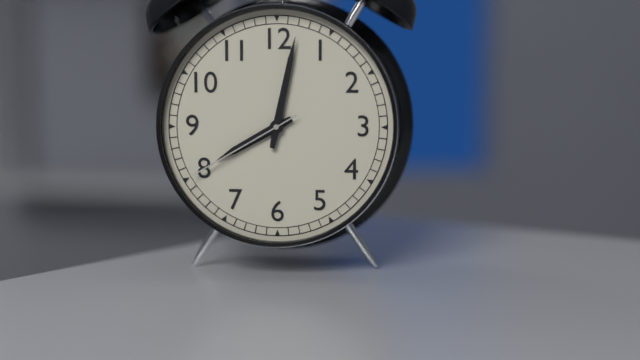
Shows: 8:02:40
